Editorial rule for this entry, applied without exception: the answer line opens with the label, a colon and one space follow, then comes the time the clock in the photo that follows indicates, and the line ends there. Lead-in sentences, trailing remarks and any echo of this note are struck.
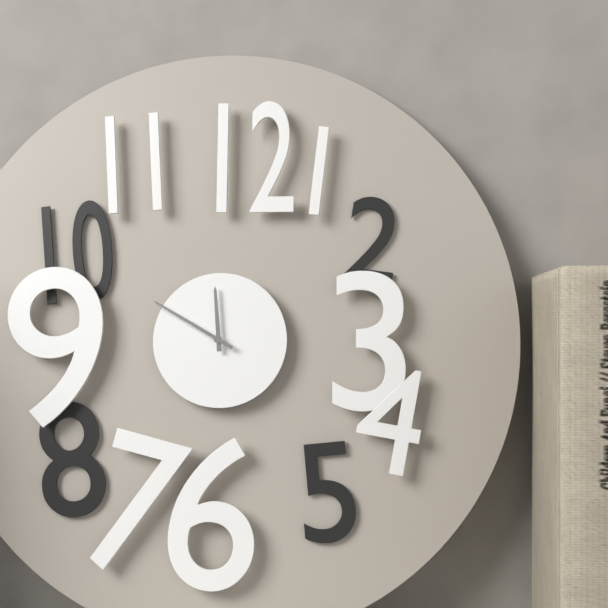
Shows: 11:50
